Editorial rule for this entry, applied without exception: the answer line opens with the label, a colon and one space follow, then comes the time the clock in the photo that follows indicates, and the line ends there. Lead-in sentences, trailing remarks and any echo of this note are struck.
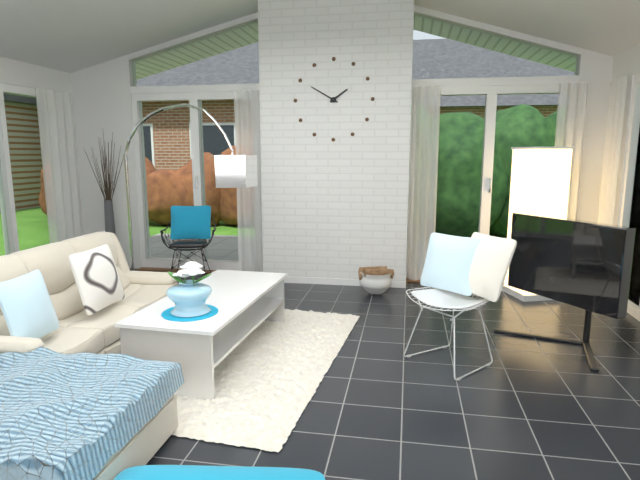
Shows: 1:50
